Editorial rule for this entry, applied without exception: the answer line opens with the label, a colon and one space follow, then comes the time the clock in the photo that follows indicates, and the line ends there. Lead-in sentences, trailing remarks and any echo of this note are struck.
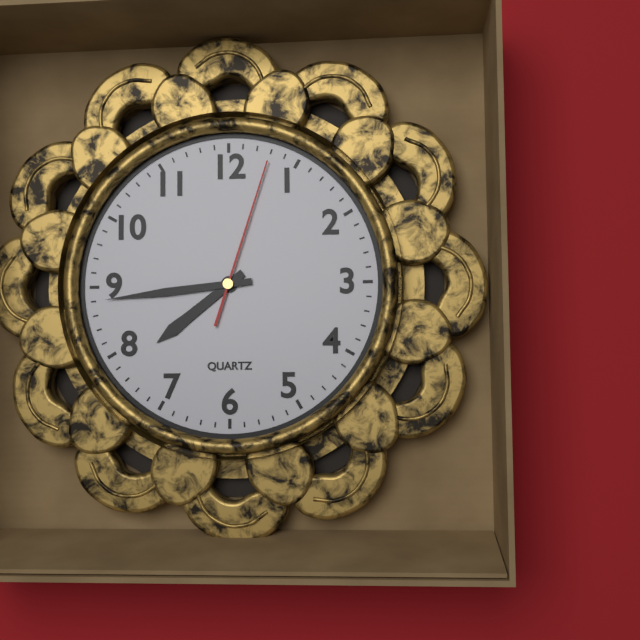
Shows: 7:44:03
